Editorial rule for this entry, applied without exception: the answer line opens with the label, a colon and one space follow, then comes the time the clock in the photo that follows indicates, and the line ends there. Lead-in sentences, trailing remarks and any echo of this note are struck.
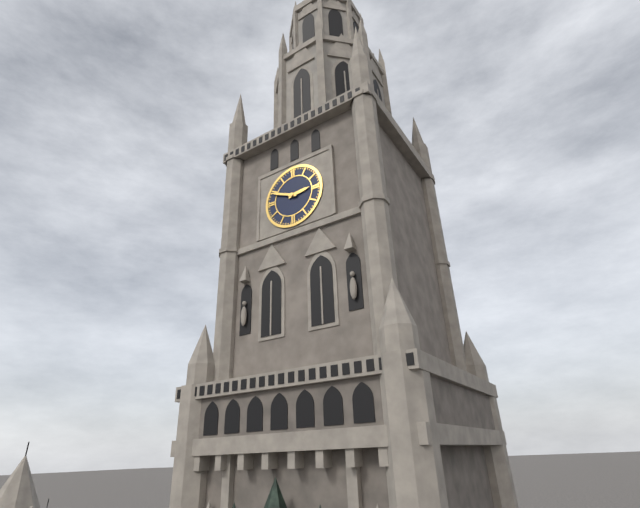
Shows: 2:49
